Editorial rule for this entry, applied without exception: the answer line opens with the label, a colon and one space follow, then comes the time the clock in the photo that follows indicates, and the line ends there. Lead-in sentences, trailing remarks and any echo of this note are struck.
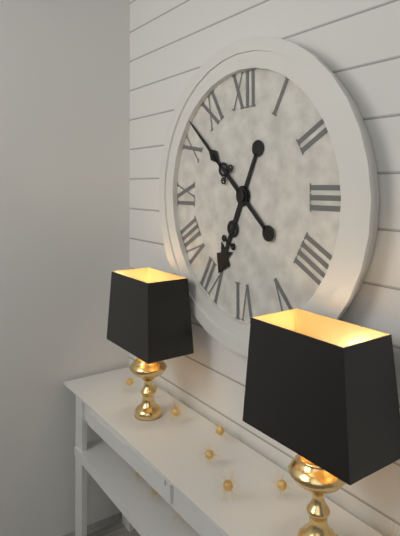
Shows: 6:52
